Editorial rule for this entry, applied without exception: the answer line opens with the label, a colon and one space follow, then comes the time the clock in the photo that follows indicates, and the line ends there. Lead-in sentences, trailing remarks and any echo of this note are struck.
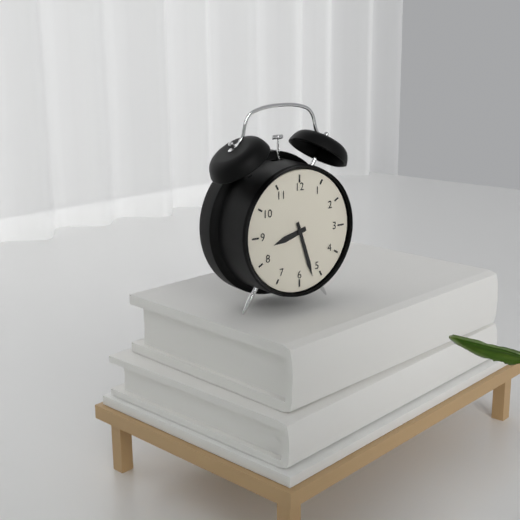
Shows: 8:27
